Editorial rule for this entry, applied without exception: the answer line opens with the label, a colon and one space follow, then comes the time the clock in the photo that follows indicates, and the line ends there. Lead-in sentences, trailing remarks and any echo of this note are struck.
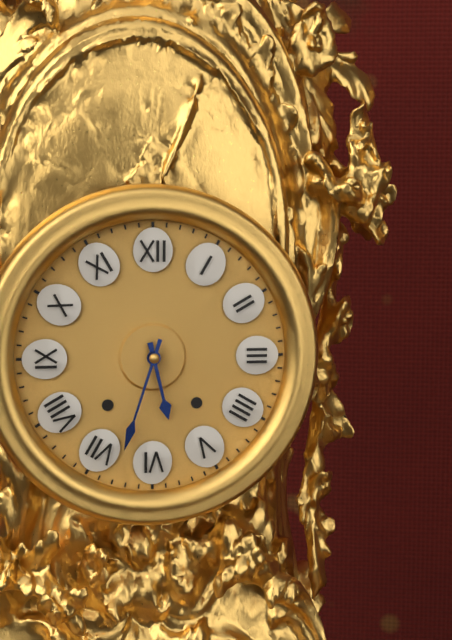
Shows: 5:33
